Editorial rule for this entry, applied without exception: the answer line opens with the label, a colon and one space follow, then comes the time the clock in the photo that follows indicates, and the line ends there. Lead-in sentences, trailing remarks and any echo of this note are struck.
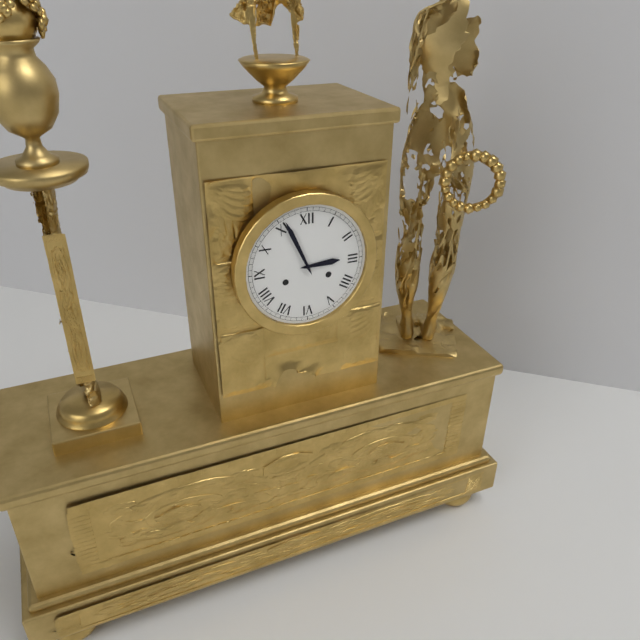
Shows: 2:56
